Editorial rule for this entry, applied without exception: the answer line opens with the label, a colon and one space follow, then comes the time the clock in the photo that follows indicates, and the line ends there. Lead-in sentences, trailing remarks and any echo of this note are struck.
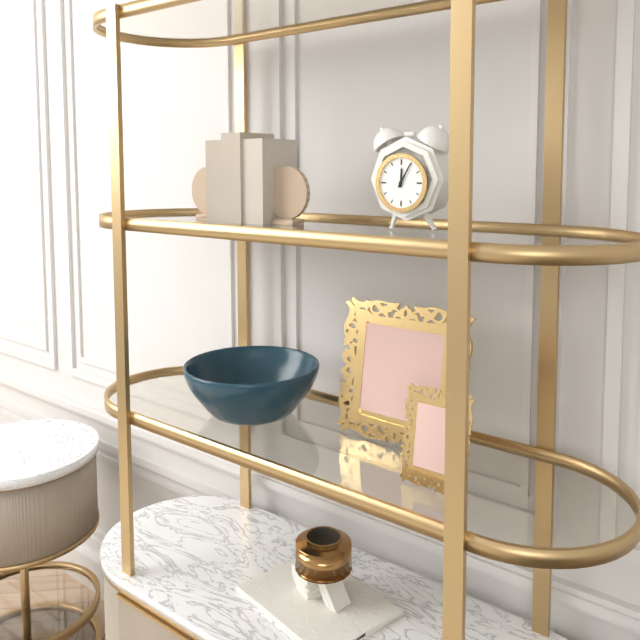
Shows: 12:05
